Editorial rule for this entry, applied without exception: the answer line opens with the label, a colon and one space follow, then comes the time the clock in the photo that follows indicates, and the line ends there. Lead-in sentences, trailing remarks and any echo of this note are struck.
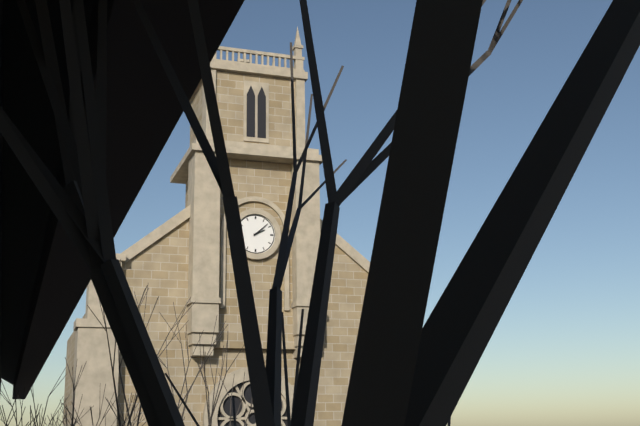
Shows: 2:08
